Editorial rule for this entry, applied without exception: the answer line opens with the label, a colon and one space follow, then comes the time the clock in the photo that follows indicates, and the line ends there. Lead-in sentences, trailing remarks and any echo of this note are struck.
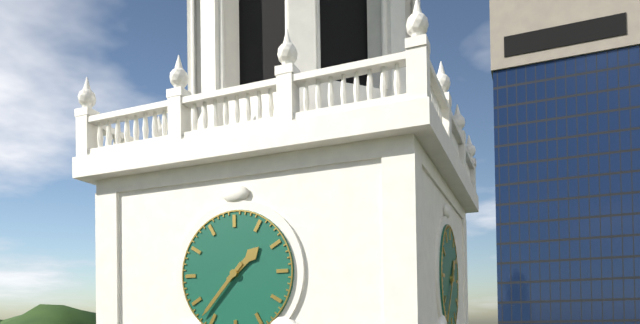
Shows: 1:37
